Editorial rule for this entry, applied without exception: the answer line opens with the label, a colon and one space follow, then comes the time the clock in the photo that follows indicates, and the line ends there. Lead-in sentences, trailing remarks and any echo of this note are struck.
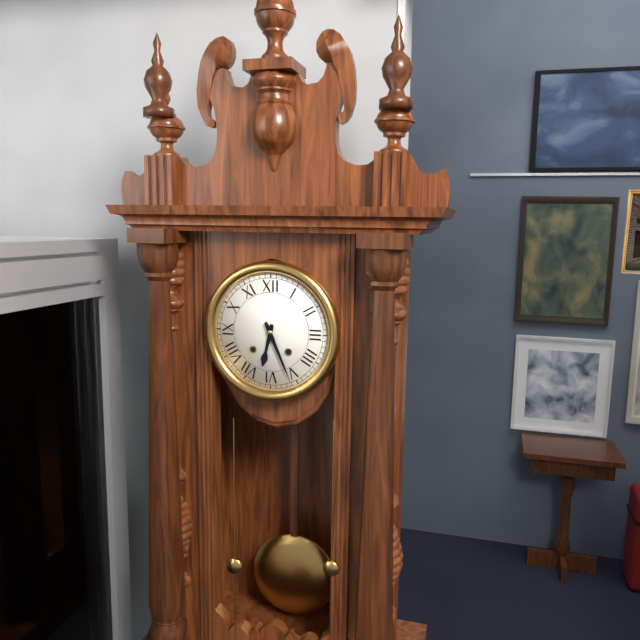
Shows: 6:26
